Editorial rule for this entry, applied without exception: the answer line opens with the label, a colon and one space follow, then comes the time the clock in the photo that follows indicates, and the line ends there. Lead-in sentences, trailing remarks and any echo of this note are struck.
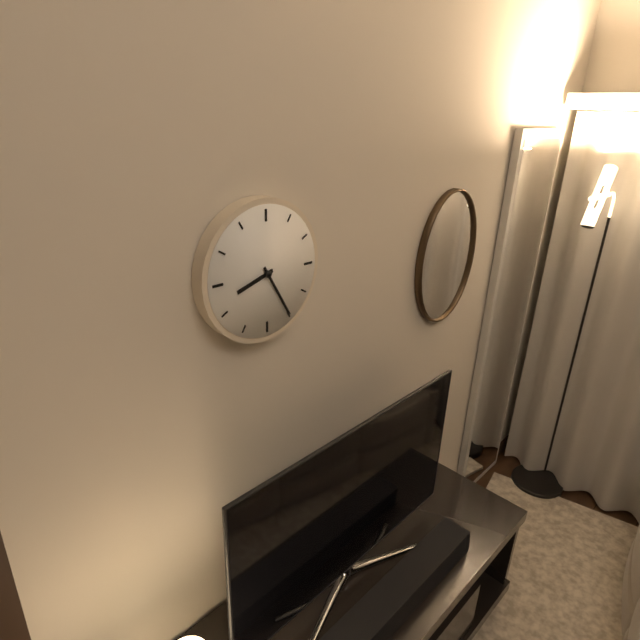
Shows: 8:25
